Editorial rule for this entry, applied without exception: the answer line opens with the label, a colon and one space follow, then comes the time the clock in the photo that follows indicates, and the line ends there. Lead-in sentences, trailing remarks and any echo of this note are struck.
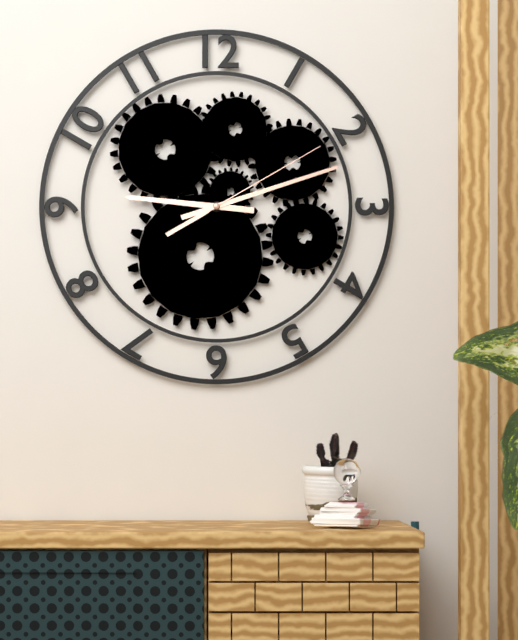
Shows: 9:12:10
